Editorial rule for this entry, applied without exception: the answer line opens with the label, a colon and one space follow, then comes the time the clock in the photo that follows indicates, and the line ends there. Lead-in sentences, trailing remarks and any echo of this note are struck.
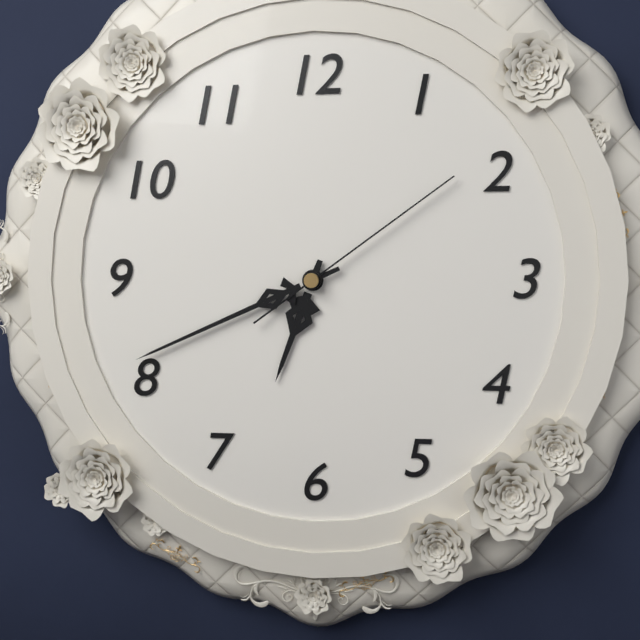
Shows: 6:41:09
